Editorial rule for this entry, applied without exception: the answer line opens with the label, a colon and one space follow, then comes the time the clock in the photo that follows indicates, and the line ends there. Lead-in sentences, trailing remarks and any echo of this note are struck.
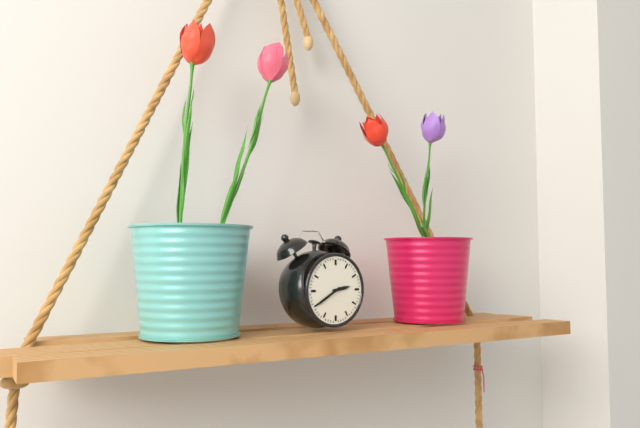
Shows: 2:40
